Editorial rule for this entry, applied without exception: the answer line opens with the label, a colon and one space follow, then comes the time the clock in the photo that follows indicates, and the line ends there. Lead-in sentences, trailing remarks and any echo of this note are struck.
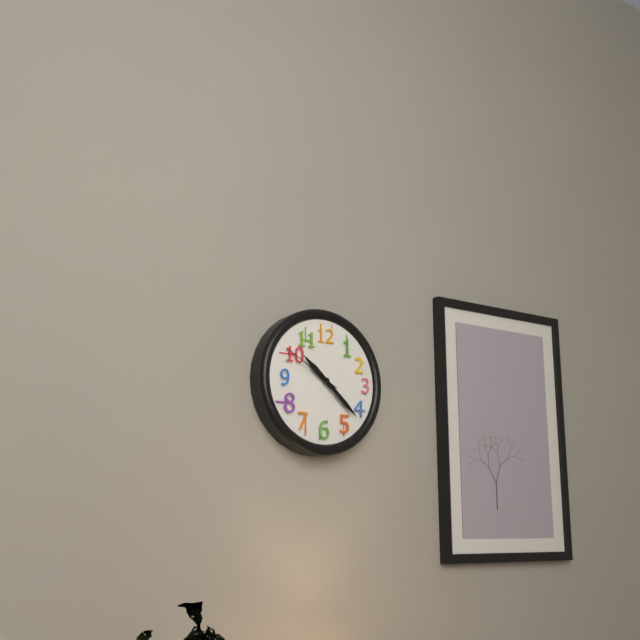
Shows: 10:22:50
